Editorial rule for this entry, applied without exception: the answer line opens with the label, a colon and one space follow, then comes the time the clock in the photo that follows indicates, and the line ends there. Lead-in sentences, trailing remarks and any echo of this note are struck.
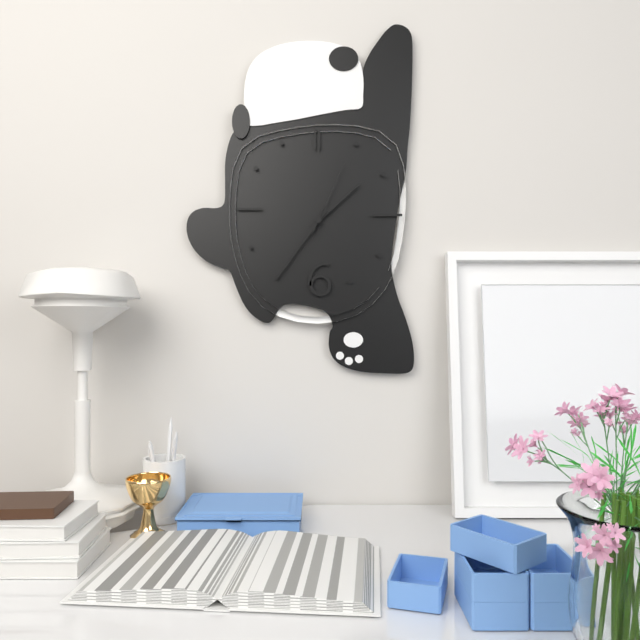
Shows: 1:36:04
